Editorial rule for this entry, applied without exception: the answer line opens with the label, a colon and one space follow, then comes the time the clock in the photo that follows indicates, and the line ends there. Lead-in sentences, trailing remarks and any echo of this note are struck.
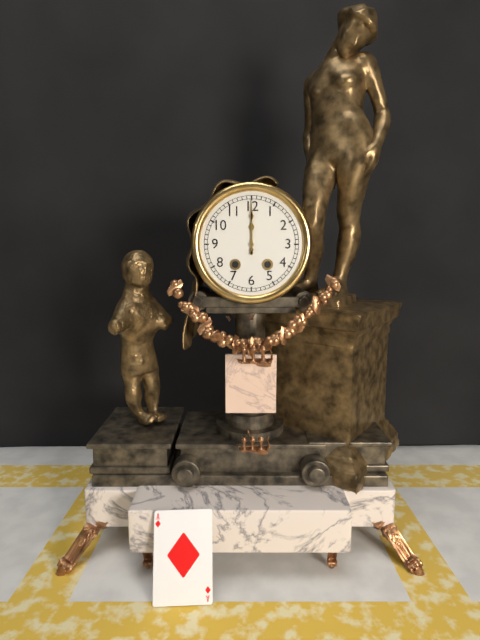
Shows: 12:00
